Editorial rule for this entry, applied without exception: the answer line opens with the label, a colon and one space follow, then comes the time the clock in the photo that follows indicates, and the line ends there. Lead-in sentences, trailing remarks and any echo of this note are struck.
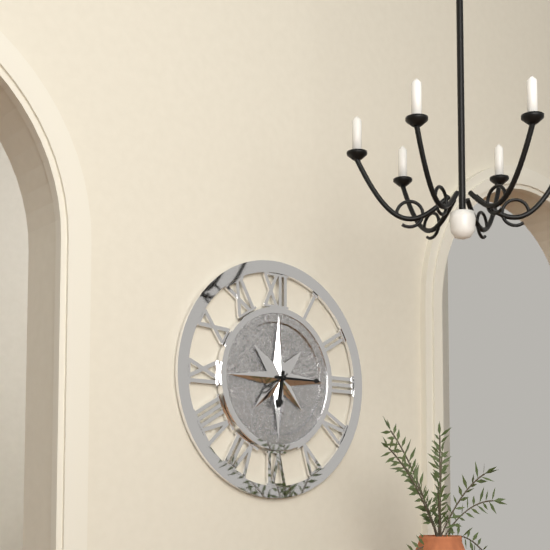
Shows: 6:15
